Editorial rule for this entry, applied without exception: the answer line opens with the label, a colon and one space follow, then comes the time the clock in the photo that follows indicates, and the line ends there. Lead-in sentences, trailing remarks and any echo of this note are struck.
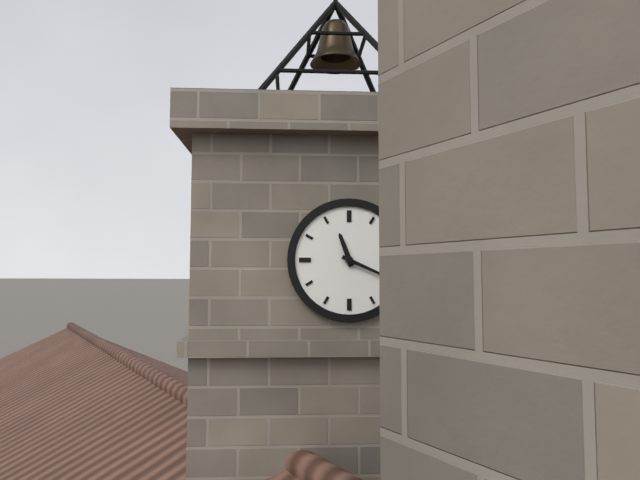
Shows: 11:19
